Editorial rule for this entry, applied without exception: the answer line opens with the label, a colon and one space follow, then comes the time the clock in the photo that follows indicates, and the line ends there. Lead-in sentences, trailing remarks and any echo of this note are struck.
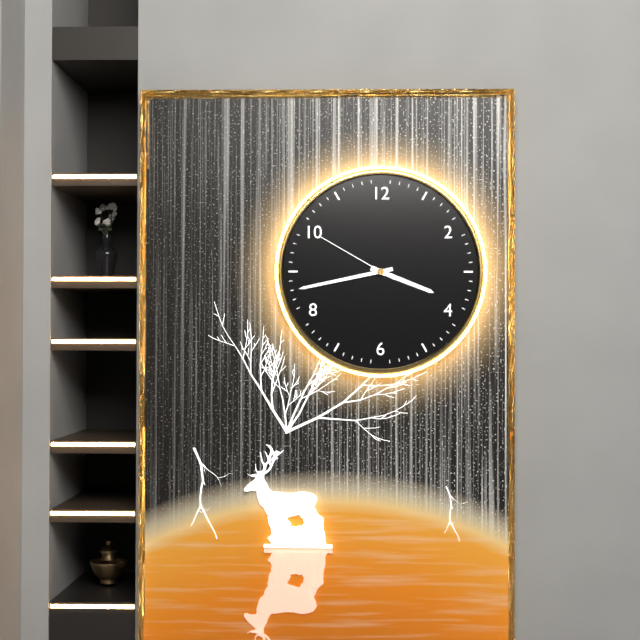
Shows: 3:43:50
